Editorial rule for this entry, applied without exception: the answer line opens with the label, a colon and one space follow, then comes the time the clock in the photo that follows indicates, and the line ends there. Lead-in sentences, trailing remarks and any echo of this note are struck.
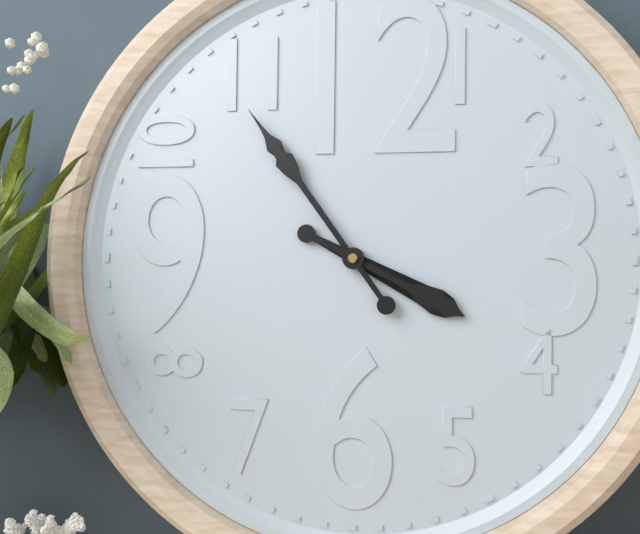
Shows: 3:54
